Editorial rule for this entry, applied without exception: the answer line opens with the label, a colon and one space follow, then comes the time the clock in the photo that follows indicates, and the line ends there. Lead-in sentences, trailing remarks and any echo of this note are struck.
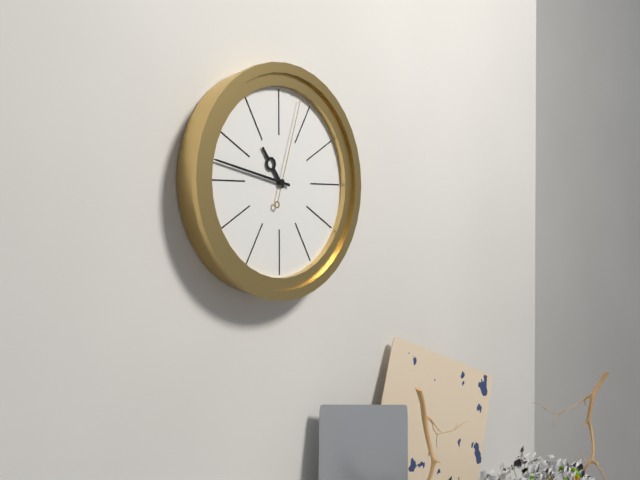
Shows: 10:47:03
